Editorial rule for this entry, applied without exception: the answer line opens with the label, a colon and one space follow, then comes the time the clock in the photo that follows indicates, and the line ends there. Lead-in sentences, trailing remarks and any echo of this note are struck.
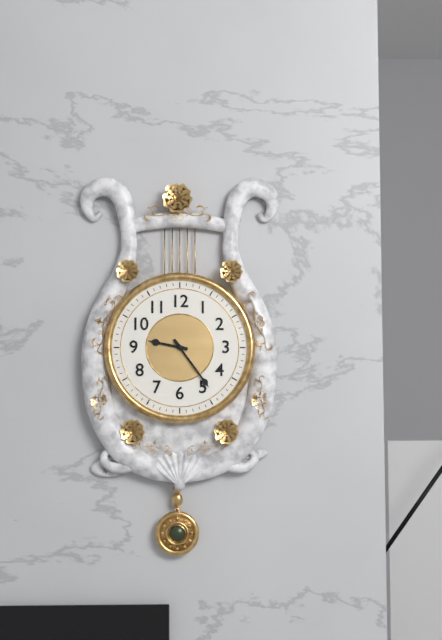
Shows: 9:24
